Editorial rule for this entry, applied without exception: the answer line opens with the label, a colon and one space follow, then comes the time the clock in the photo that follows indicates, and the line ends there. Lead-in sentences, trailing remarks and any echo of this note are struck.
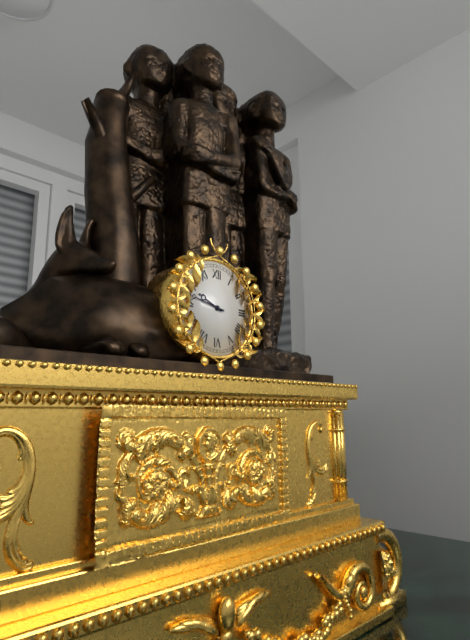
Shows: 9:47
